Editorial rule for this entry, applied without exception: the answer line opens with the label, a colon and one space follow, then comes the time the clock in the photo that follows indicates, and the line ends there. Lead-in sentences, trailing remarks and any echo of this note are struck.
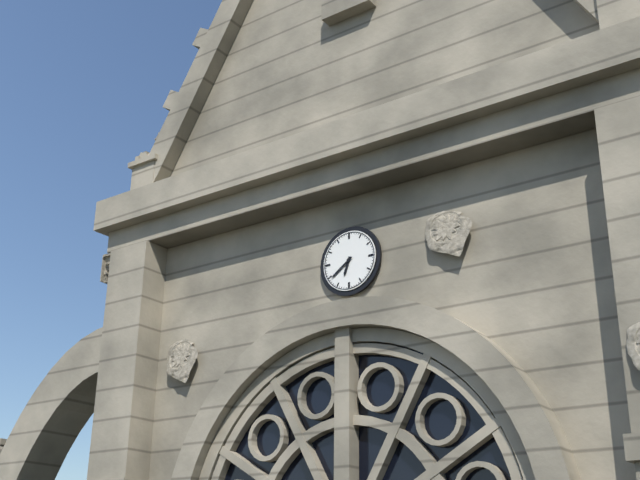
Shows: 6:39
